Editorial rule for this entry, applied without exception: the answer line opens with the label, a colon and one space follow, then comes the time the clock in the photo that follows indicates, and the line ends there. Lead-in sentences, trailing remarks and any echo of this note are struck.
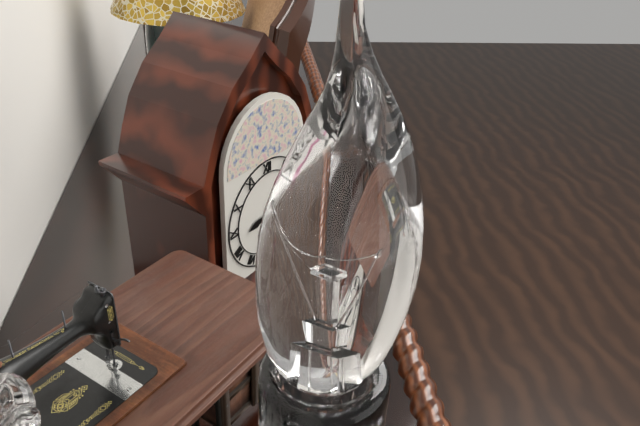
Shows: 8:33
